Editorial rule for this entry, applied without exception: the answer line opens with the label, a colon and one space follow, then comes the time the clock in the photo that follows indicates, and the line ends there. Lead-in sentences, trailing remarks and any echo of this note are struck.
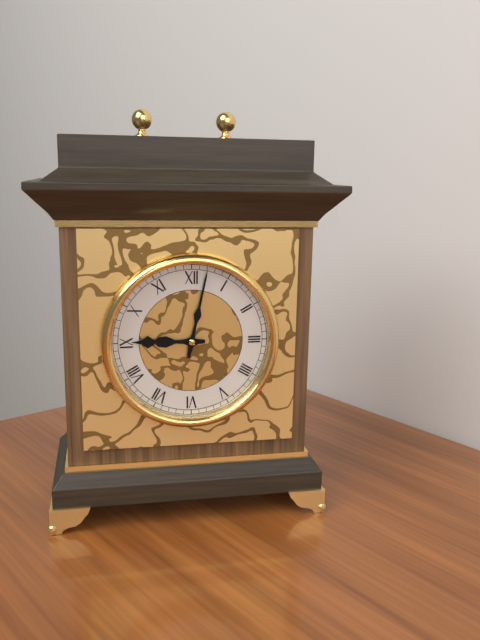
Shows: 9:02
